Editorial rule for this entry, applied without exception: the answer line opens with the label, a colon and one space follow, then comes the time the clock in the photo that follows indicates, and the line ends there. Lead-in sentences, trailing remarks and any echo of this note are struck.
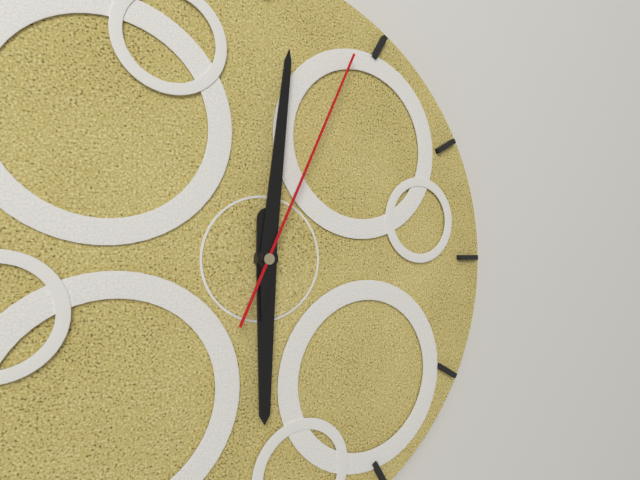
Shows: 6:01:04
